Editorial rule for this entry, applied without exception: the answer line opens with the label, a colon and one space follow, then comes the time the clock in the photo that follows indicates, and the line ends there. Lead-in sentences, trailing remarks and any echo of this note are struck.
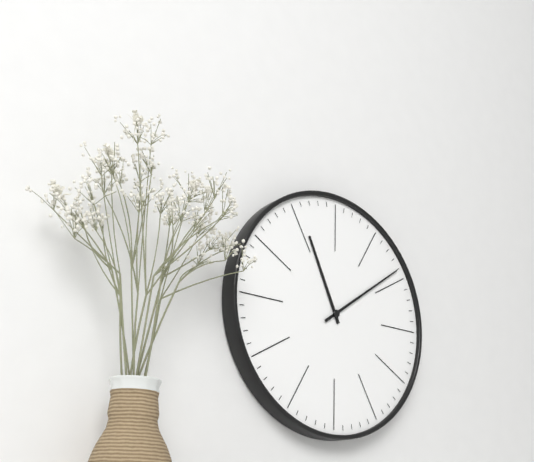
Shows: 11:09
